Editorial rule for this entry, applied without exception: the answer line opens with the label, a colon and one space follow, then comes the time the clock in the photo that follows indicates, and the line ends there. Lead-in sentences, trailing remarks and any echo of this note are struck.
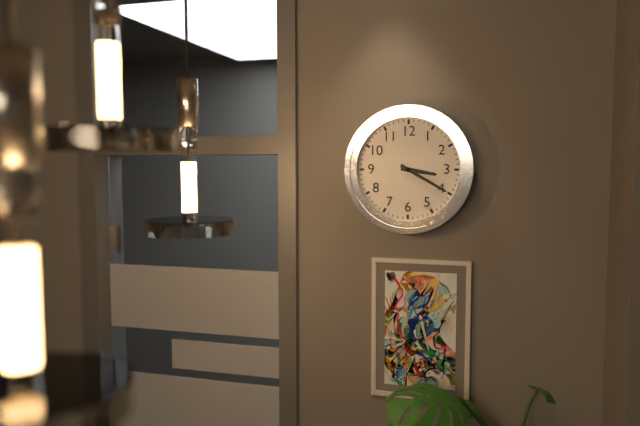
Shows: 3:20
